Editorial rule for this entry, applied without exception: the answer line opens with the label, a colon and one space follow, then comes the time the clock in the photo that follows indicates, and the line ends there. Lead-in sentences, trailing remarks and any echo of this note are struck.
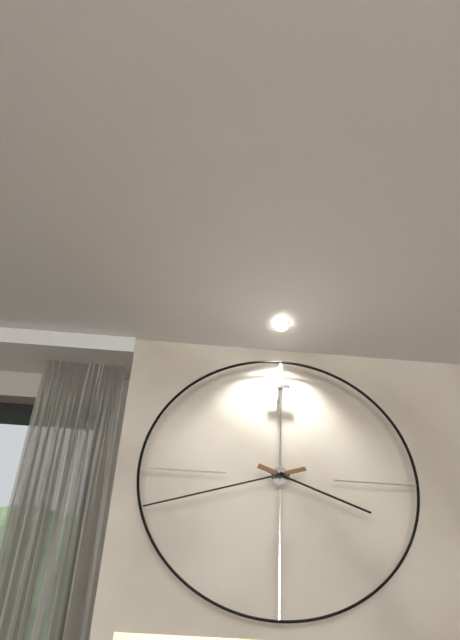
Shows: 3:42
